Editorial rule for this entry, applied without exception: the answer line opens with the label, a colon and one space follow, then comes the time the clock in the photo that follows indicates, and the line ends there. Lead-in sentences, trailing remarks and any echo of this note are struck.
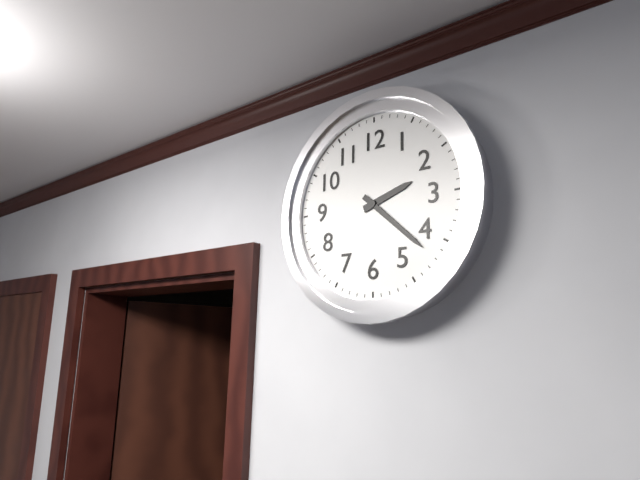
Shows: 2:22
